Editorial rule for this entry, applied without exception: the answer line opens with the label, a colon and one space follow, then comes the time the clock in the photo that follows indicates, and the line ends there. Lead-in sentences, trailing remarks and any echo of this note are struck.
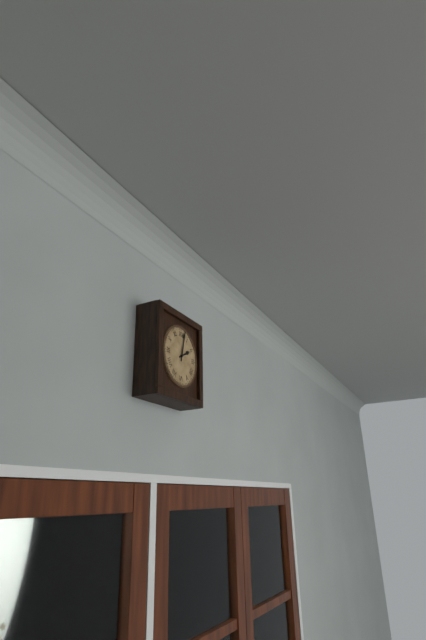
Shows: 2:02
